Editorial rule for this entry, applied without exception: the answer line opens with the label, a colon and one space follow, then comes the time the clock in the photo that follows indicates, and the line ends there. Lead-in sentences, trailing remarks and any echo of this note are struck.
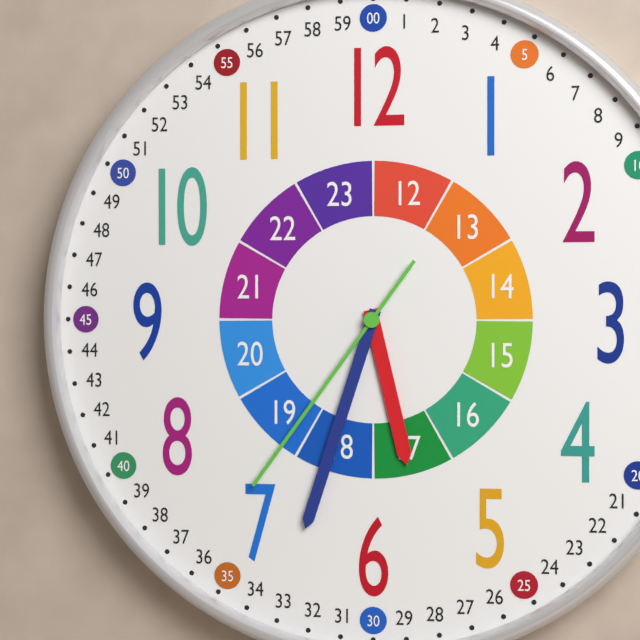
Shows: 5:33:36
